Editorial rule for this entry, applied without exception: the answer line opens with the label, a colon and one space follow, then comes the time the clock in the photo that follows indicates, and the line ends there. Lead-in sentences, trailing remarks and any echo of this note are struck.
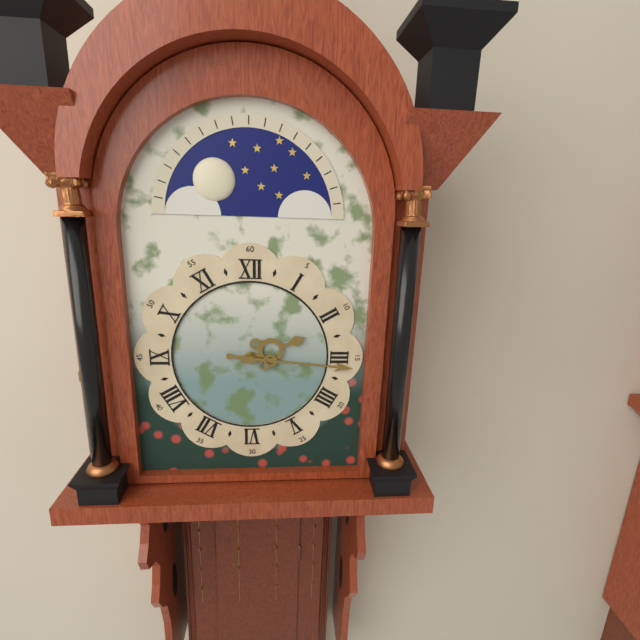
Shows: 2:16
